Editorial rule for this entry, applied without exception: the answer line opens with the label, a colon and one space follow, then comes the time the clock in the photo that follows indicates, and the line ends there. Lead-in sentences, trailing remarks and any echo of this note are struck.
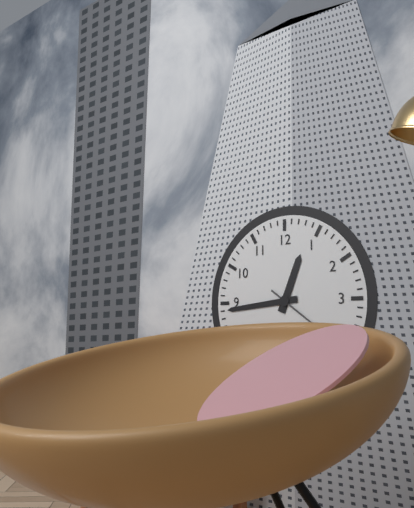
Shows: 12:44
